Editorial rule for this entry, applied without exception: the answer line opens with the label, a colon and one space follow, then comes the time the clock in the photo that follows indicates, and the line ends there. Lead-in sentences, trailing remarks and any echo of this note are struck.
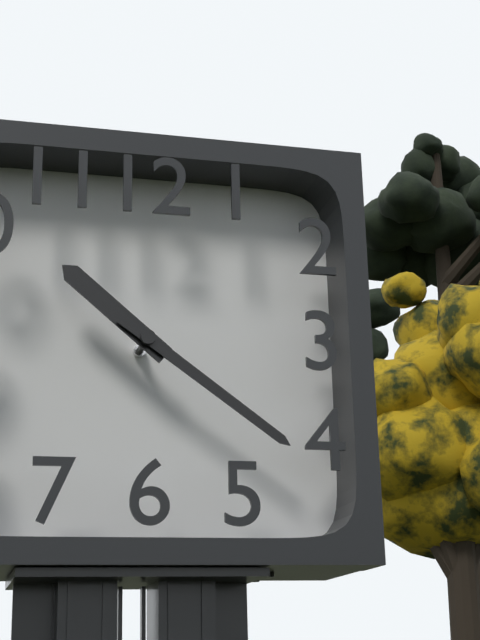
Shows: 10:21
